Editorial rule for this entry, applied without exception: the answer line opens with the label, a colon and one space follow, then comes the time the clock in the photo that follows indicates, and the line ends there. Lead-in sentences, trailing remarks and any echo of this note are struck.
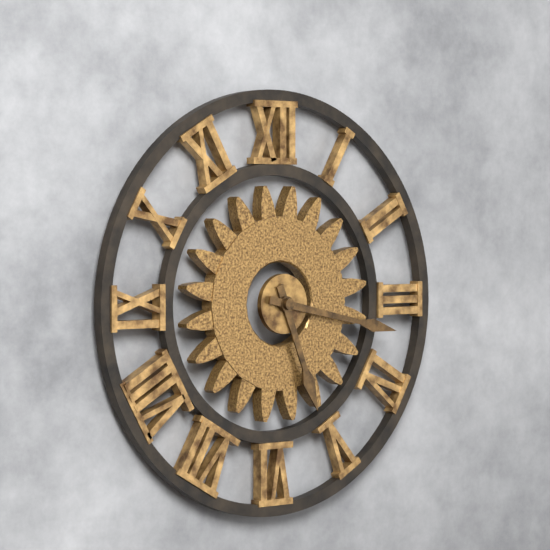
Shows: 5:17
